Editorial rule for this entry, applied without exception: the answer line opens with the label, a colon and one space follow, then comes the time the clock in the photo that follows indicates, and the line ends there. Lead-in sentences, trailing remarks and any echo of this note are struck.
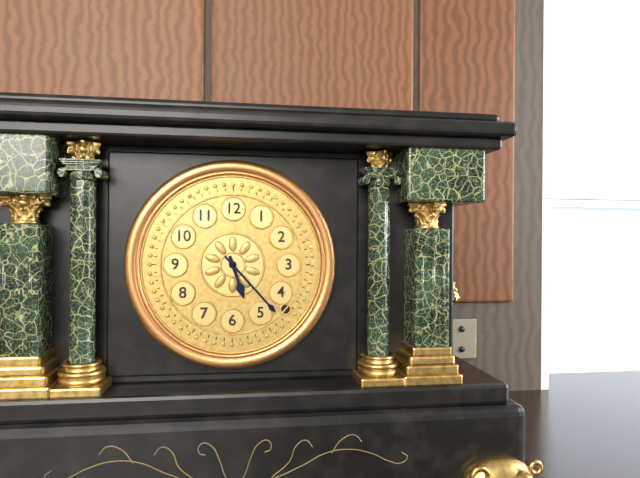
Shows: 5:23
